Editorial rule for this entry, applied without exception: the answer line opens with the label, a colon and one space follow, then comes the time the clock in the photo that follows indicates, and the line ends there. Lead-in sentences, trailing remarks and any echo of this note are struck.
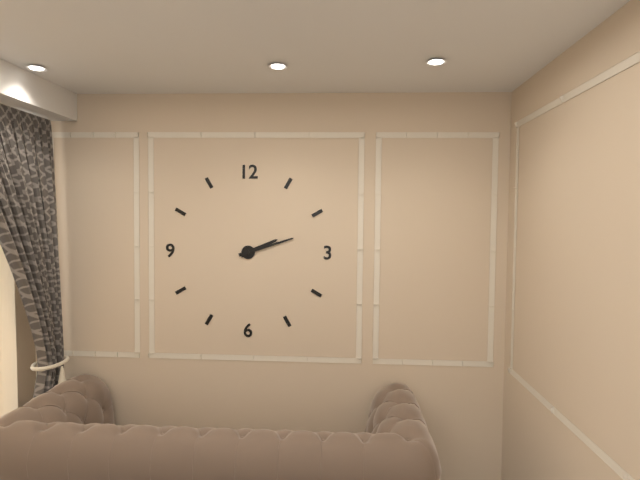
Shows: 2:12
